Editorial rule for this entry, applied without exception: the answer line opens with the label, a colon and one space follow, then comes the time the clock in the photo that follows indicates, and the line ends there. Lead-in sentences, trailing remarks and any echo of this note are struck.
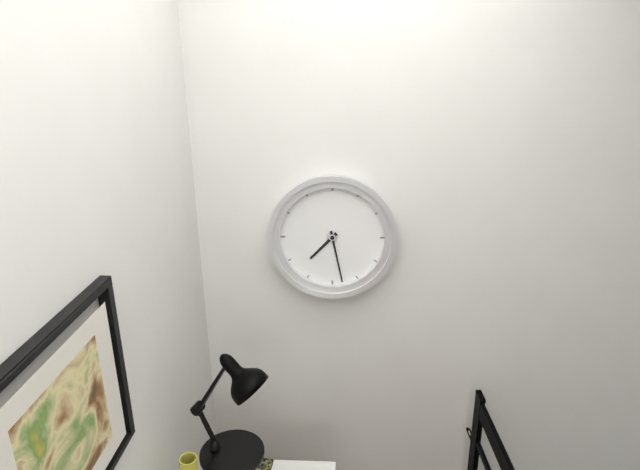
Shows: 7:28
